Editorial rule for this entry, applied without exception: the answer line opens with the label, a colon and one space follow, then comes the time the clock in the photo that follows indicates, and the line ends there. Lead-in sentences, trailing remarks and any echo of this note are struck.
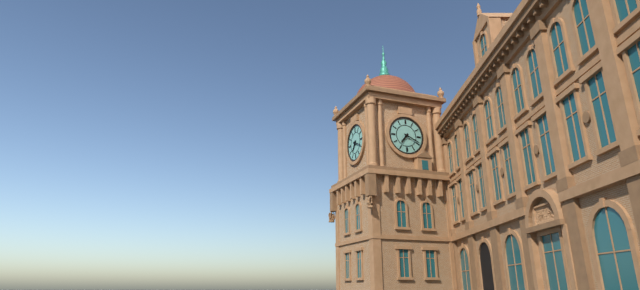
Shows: 7:19
